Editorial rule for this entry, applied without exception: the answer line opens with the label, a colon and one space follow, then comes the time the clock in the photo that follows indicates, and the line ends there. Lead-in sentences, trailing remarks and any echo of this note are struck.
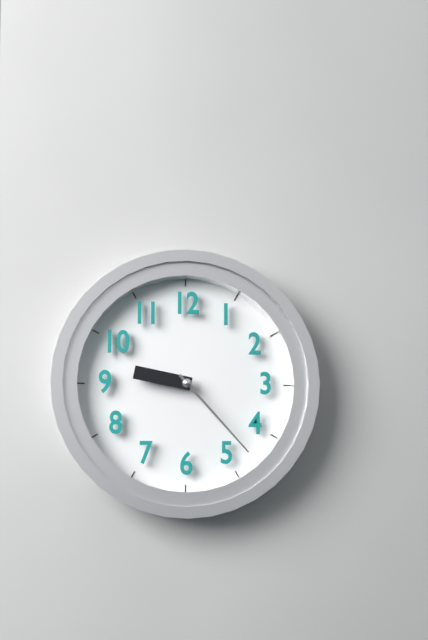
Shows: 9:23
